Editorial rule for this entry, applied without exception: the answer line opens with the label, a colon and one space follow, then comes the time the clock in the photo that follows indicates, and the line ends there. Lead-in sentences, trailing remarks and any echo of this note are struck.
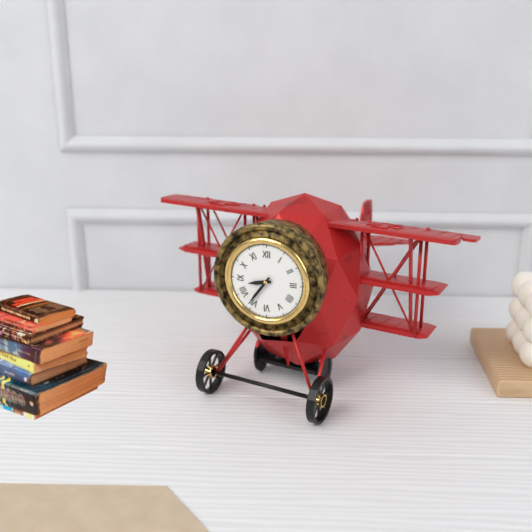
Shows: 8:36
